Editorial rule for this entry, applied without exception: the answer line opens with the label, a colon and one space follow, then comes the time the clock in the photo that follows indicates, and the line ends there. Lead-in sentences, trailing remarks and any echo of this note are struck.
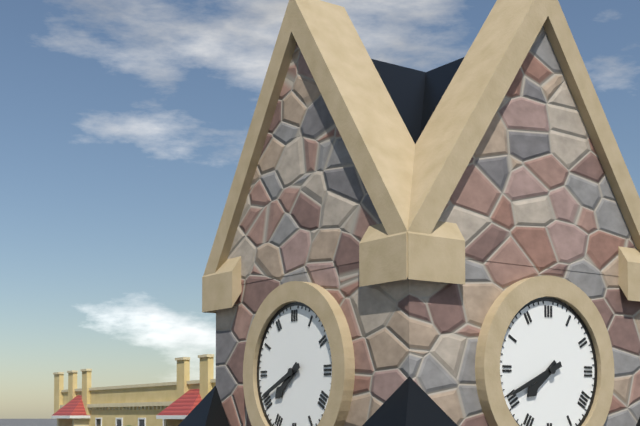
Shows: 7:41
